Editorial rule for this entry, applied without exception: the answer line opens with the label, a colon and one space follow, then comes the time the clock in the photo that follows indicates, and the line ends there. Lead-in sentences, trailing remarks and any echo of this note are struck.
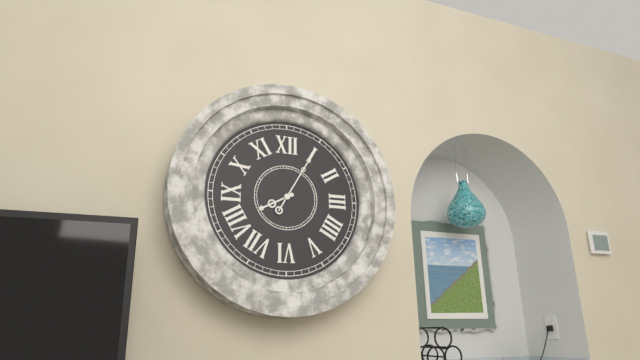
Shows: 8:05
